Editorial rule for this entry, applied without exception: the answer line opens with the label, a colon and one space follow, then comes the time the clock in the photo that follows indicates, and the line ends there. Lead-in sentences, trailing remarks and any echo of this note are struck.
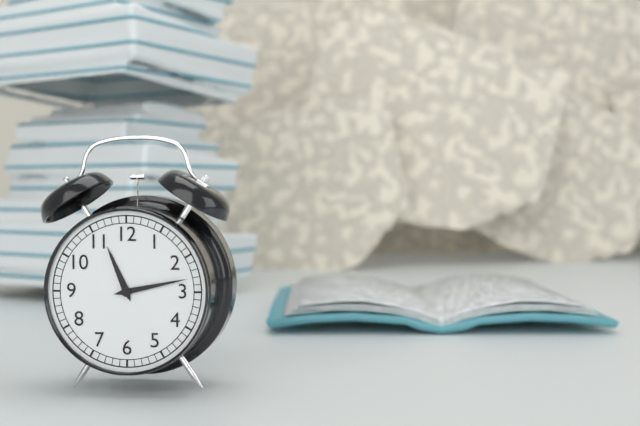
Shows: 11:13
